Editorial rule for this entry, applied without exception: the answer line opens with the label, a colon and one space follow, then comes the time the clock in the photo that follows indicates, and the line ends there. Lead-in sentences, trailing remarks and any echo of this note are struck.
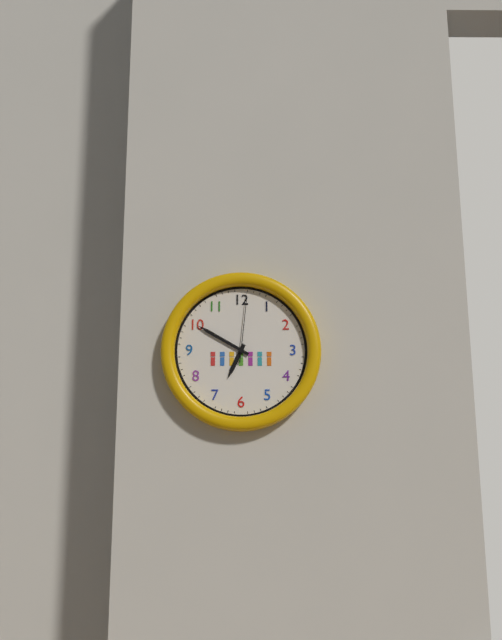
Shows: 6:50:01
